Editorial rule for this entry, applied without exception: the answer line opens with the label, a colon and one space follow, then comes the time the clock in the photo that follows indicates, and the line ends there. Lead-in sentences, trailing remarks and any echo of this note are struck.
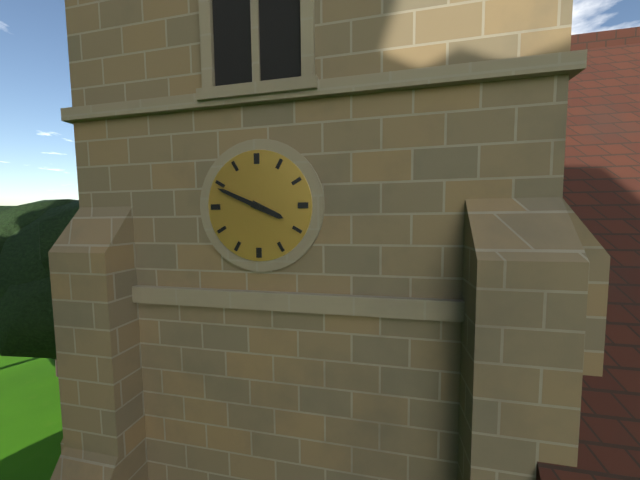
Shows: 3:49
